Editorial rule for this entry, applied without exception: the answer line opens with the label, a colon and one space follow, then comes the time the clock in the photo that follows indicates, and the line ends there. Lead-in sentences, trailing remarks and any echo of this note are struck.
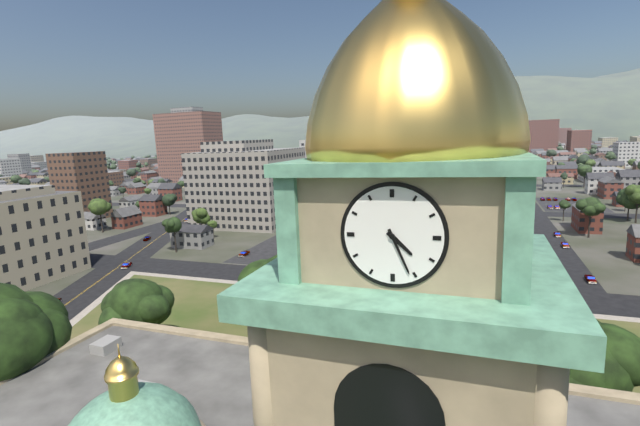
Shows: 4:26
